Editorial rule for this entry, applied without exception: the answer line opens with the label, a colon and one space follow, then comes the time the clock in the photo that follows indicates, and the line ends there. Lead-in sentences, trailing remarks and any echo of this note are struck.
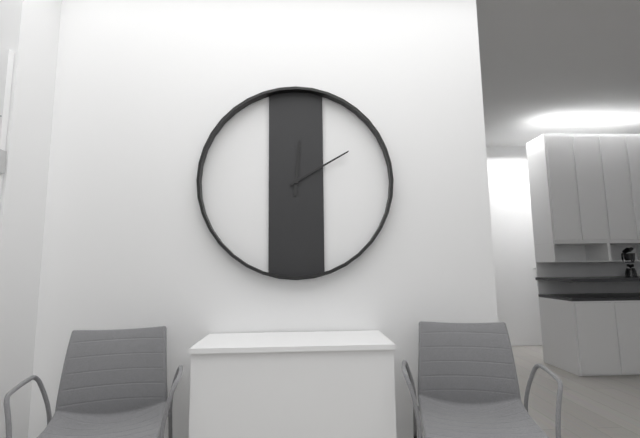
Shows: 12:10
